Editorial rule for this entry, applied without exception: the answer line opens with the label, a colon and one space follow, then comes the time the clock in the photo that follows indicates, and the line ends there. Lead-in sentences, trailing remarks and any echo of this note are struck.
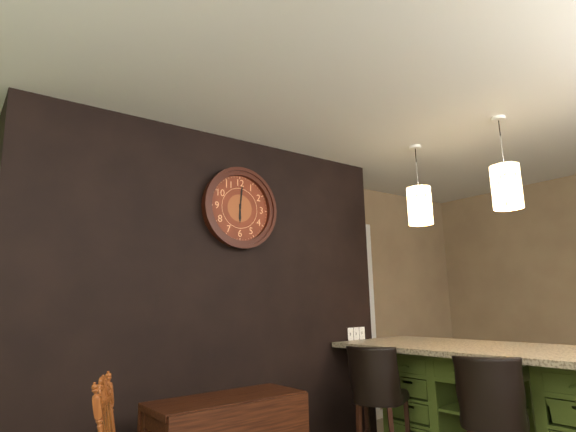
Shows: 6:01
